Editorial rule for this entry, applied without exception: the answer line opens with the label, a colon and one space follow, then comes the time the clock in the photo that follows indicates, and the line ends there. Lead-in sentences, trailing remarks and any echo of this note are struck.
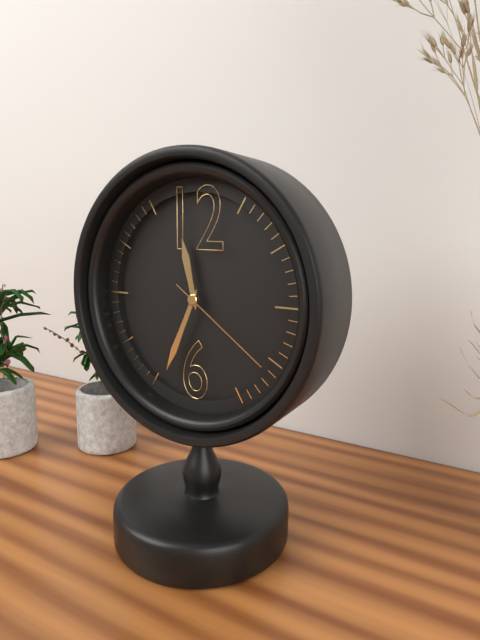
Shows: 11:34:21
